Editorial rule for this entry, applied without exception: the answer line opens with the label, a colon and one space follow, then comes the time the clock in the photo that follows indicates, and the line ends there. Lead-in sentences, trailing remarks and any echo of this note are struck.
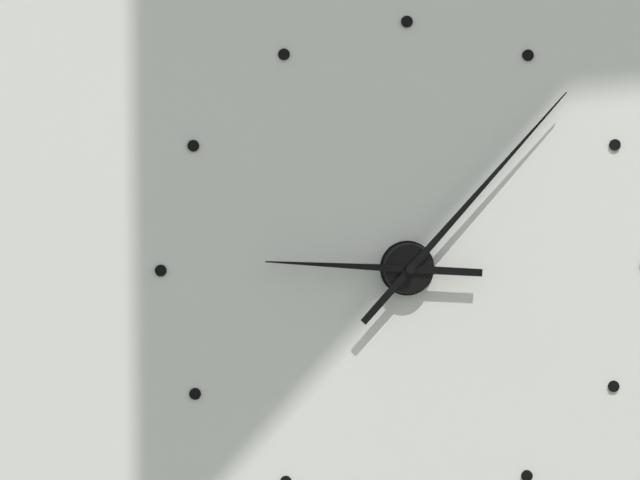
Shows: 9:07
